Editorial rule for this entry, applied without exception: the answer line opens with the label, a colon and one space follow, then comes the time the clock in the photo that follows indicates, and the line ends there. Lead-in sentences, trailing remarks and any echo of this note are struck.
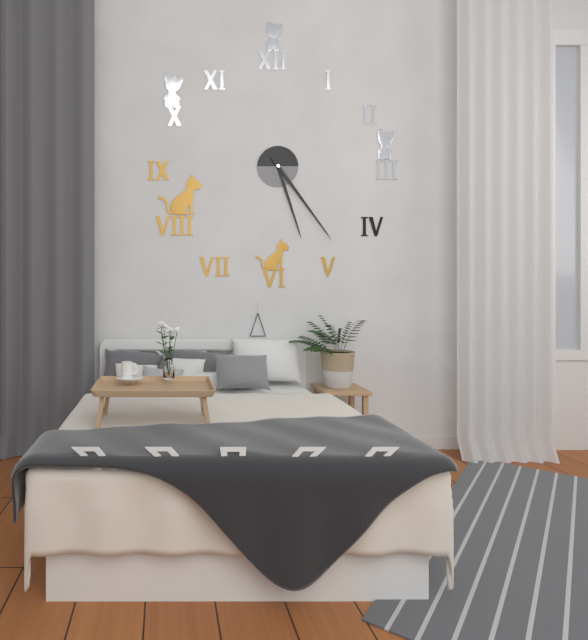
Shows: 5:24
